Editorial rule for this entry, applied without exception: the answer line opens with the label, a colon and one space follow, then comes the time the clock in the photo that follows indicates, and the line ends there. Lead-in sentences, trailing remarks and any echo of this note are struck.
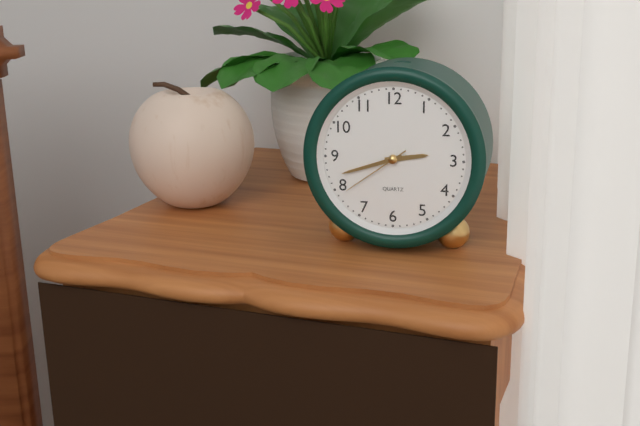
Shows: 2:42:39
